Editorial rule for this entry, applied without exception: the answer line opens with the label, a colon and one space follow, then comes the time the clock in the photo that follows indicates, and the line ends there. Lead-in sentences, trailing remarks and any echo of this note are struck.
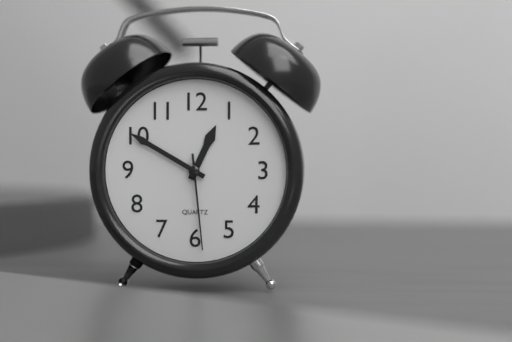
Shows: 12:50:29
